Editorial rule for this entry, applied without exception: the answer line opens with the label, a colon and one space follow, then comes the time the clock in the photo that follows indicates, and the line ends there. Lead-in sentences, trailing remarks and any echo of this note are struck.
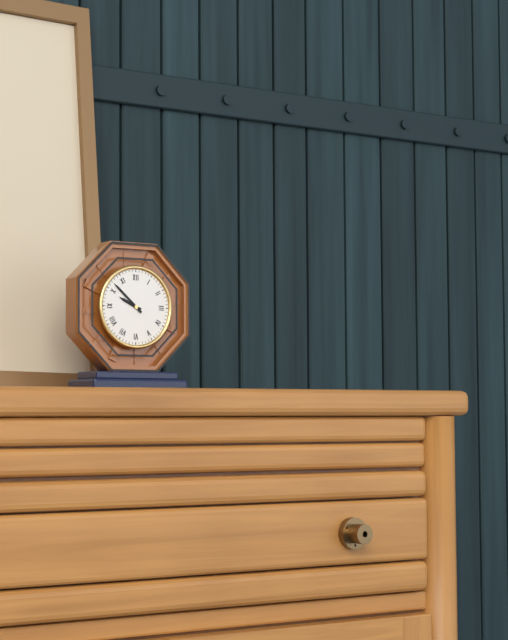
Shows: 9:52
